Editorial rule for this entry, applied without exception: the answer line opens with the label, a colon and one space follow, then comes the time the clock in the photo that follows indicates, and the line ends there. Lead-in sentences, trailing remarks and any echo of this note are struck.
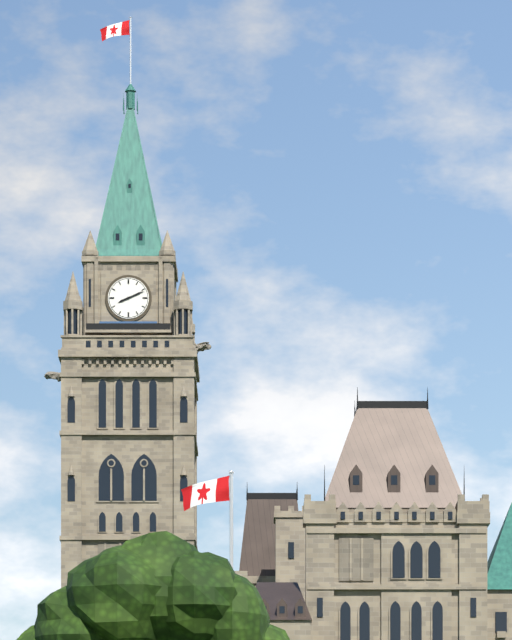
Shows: 8:11
